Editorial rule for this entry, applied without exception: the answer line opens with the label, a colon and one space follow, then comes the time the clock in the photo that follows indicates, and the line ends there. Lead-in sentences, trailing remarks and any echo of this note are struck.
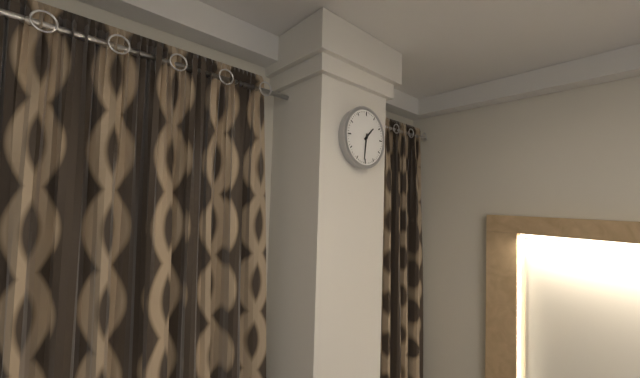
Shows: 1:31
